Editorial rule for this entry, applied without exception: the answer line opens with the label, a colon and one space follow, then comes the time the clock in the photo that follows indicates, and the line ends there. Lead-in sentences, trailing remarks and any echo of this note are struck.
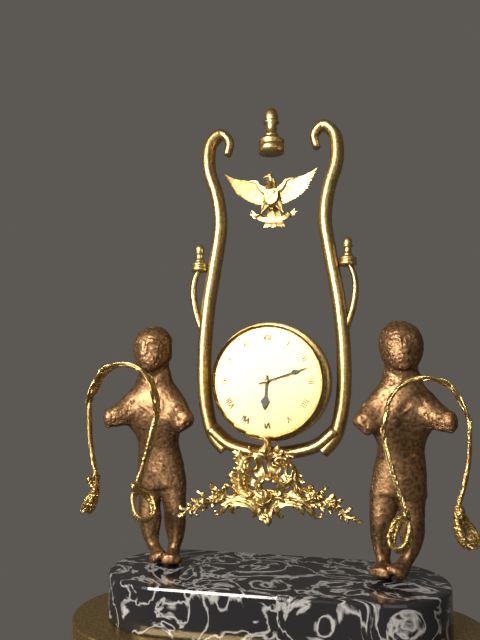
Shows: 6:12
